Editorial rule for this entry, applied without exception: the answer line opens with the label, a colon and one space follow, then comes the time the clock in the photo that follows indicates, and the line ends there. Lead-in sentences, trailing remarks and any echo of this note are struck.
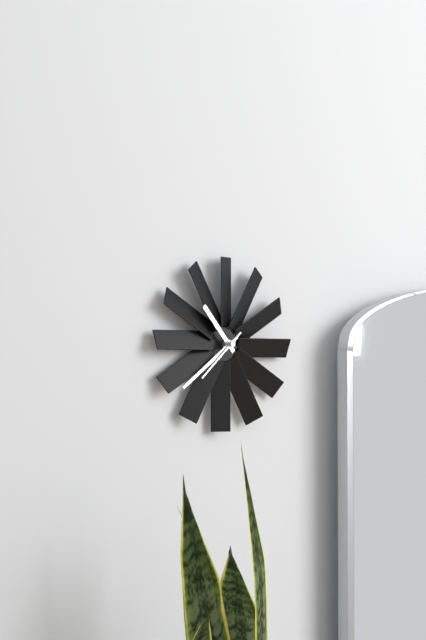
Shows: 10:39:38
